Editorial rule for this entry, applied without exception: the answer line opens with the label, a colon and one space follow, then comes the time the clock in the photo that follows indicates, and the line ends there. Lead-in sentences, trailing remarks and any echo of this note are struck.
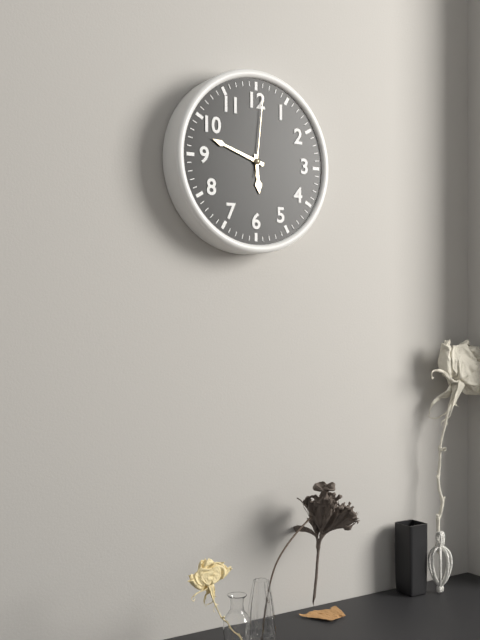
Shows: 5:48:01
